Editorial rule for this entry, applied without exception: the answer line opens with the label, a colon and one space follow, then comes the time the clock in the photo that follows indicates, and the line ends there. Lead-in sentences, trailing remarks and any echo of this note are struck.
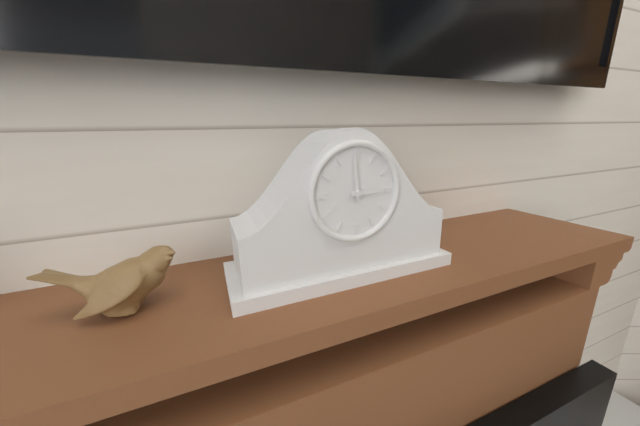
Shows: 2:59
